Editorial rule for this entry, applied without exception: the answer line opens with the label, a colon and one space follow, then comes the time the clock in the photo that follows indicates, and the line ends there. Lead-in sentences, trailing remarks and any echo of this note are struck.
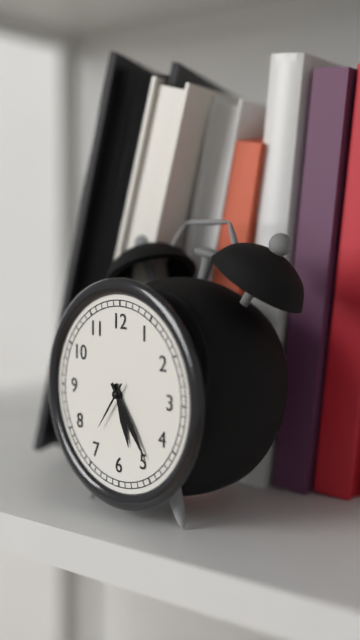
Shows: 5:24
